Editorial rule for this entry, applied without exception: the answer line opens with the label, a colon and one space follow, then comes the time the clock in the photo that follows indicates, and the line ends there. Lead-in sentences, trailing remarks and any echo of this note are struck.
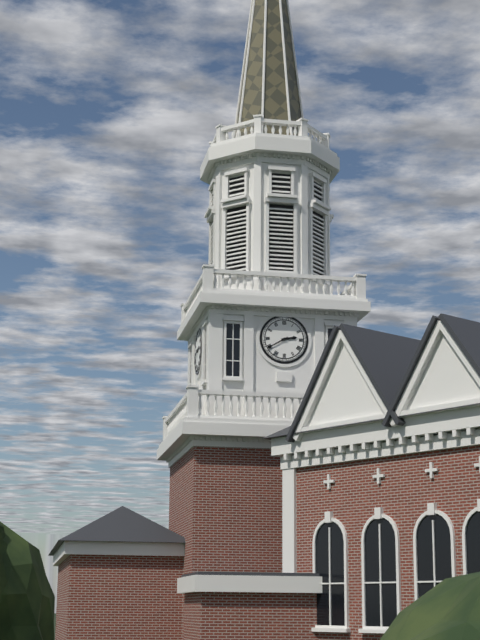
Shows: 2:40
